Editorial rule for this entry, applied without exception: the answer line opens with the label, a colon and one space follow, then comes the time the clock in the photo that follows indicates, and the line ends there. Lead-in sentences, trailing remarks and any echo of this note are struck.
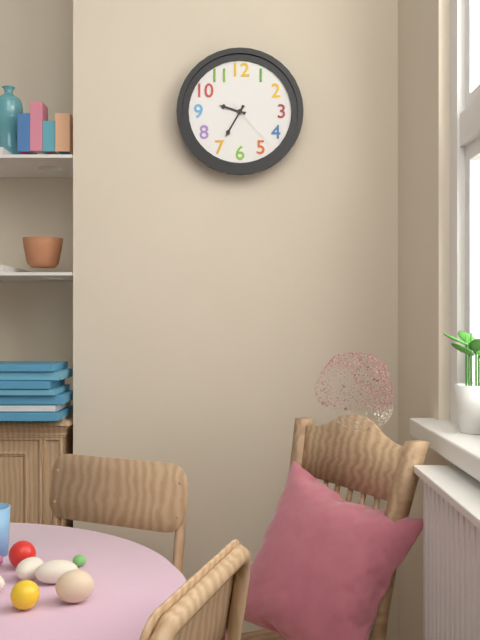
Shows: 9:35:23
